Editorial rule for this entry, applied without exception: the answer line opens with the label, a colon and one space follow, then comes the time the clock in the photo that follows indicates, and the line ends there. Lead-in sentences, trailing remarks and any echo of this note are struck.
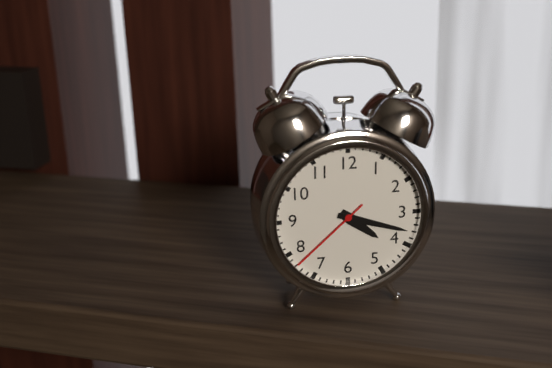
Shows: 4:18:38
